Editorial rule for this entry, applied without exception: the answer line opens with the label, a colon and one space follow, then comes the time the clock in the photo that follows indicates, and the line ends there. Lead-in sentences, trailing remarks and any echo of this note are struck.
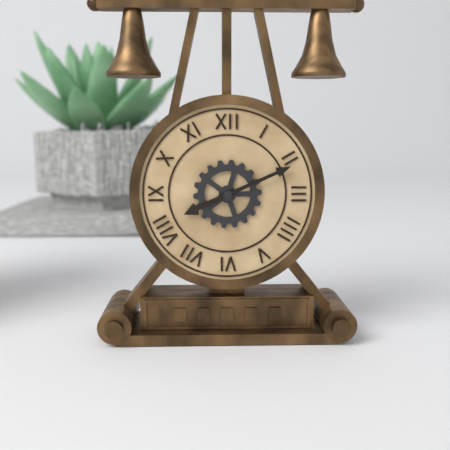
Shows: 8:11
